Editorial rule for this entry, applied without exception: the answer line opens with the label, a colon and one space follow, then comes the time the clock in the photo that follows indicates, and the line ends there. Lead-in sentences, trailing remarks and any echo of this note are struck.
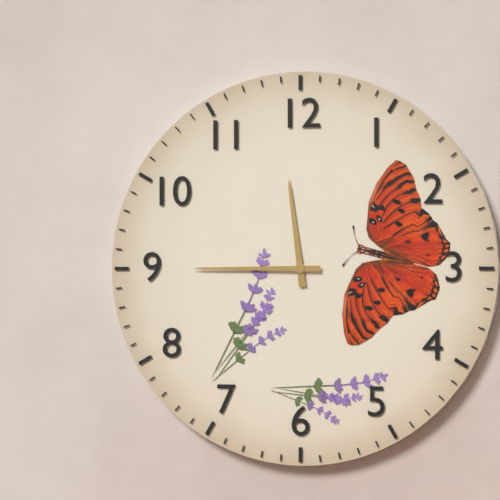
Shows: 11:45
